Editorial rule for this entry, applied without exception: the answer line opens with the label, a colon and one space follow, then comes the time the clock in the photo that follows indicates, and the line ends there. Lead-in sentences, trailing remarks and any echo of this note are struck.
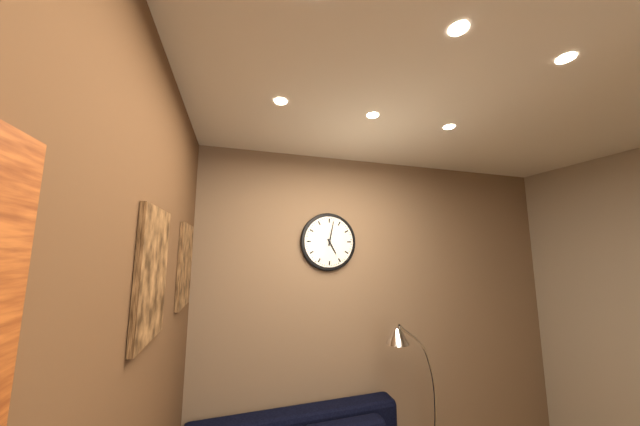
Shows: 5:02
